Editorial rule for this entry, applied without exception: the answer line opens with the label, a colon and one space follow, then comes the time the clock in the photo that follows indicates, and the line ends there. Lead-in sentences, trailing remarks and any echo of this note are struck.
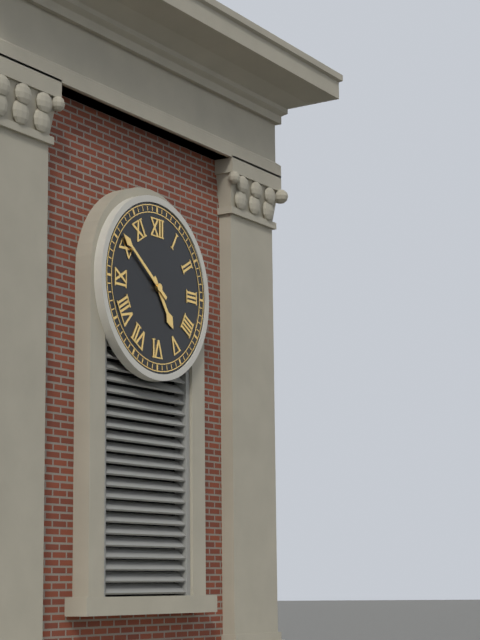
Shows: 4:51
